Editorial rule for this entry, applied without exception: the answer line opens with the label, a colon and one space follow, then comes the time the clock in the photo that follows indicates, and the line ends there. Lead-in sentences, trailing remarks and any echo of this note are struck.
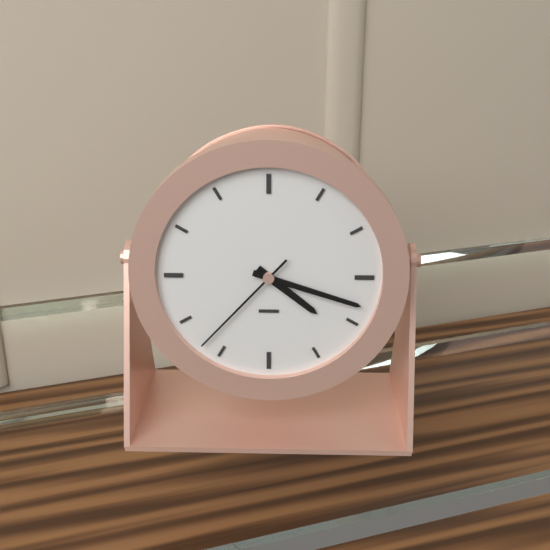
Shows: 4:18:37
